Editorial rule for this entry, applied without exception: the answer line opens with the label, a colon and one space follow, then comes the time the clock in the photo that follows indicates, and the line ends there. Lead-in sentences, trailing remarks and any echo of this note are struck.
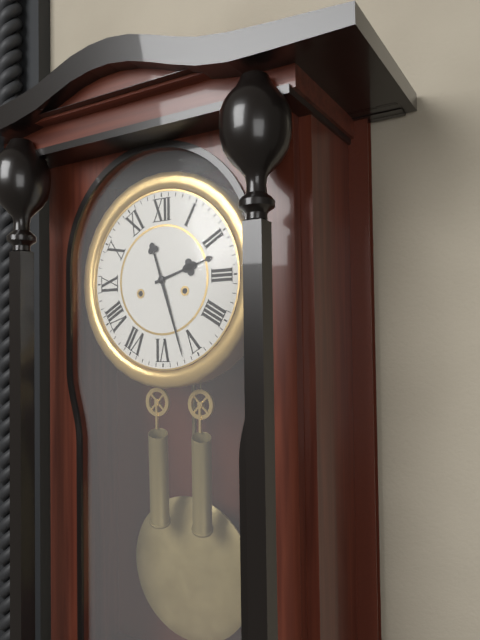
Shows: 2:27
